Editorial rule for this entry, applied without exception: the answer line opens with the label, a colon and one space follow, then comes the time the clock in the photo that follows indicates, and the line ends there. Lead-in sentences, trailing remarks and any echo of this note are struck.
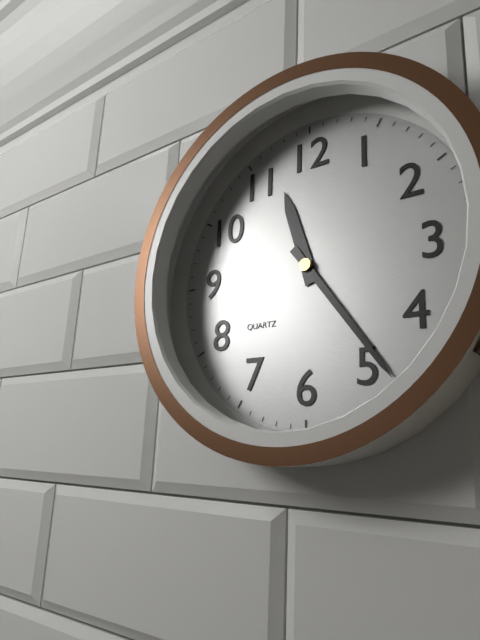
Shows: 11:24
